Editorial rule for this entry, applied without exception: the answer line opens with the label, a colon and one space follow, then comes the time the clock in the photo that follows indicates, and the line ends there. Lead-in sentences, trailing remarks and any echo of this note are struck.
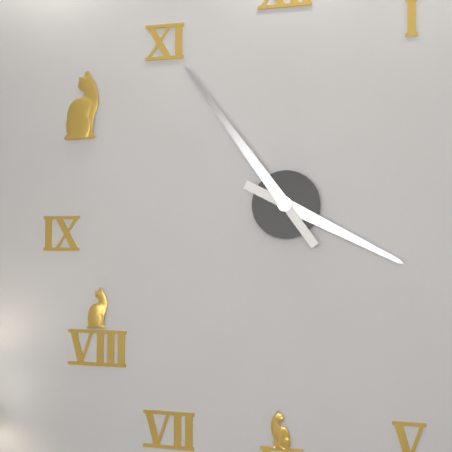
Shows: 3:54
